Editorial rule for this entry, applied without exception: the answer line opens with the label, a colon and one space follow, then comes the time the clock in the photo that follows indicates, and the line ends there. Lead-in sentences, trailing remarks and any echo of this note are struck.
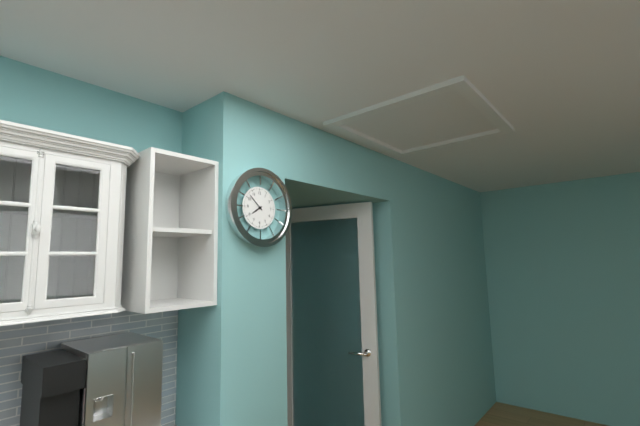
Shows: 7:52
